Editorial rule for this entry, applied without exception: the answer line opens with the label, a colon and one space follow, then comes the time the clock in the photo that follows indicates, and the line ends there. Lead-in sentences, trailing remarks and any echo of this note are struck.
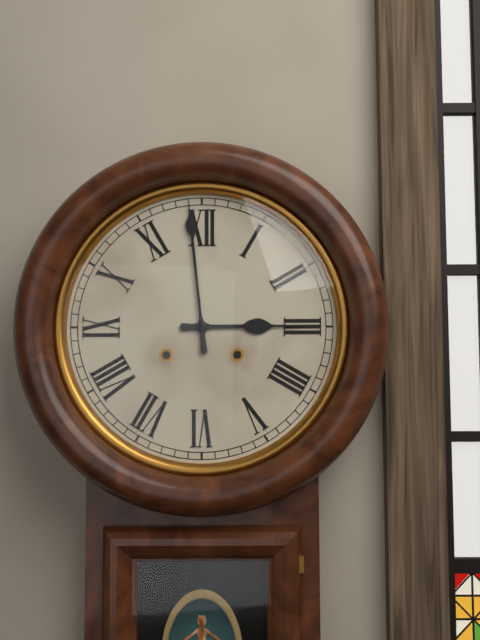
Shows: 2:59
